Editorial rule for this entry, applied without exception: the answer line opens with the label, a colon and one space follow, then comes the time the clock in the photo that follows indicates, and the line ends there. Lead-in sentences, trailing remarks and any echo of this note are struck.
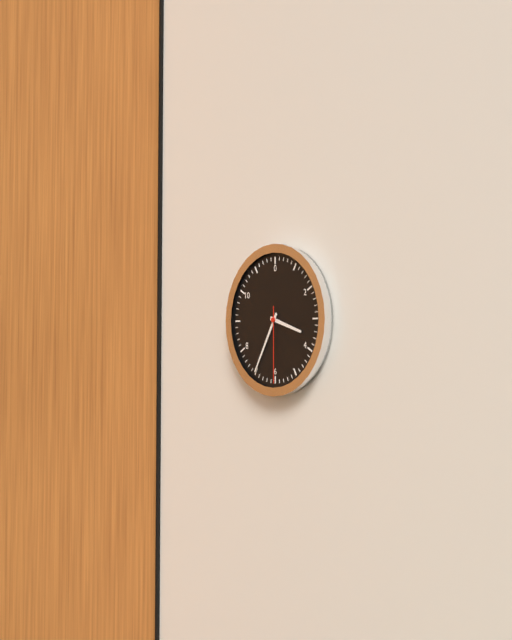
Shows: 3:35:30
